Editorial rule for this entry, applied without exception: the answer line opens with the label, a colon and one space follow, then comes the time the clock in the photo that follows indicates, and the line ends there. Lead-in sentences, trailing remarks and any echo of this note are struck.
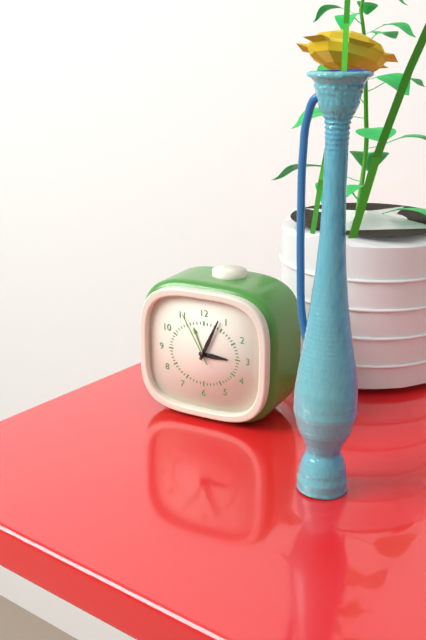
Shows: 3:04:55
